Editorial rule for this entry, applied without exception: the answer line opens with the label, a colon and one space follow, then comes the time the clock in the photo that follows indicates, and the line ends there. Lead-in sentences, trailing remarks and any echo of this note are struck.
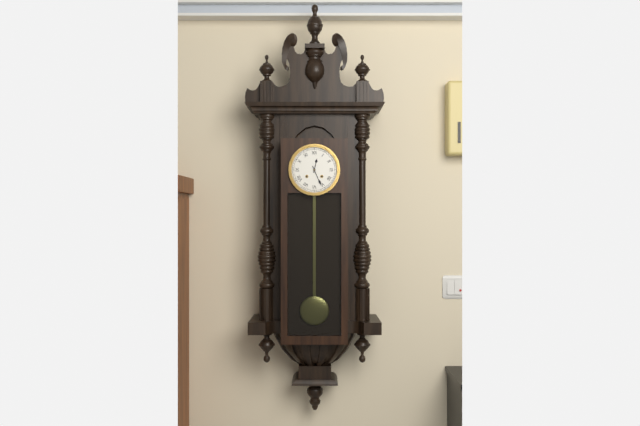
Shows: 12:26
